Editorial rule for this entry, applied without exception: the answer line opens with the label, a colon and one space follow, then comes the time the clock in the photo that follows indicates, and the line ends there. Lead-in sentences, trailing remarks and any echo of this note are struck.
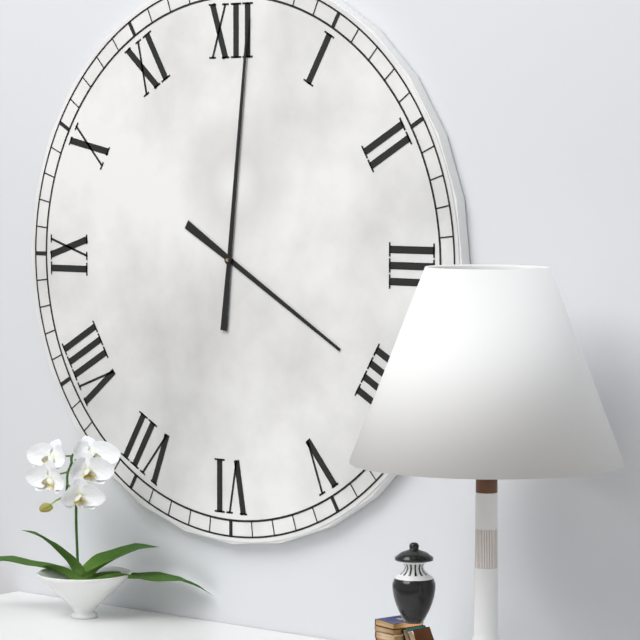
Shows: 4:01
